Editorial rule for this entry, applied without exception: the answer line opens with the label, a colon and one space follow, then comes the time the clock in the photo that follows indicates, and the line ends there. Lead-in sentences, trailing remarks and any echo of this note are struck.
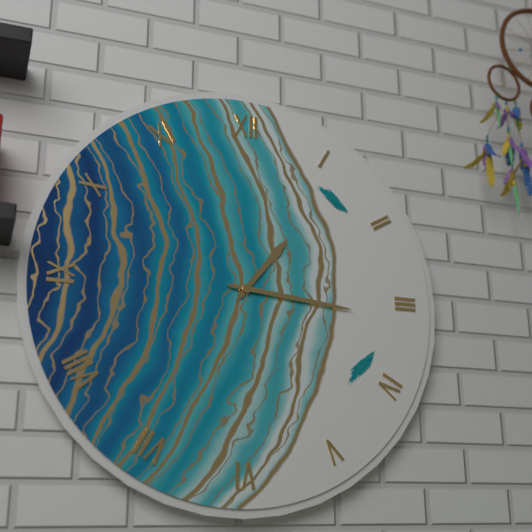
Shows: 1:16
